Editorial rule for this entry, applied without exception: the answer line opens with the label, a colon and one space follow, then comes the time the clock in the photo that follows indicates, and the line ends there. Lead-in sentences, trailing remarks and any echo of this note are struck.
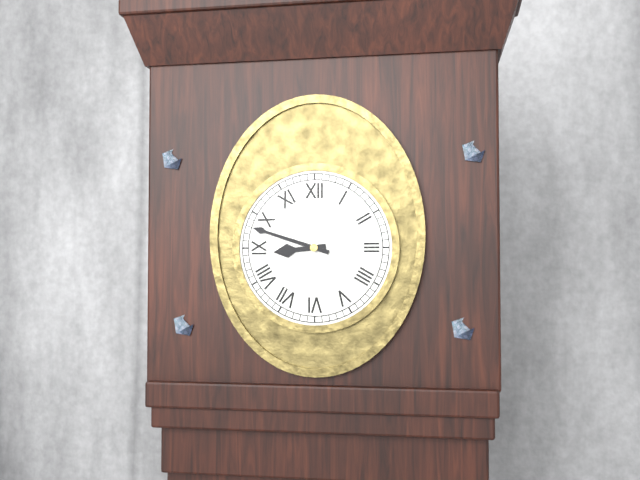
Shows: 8:48
